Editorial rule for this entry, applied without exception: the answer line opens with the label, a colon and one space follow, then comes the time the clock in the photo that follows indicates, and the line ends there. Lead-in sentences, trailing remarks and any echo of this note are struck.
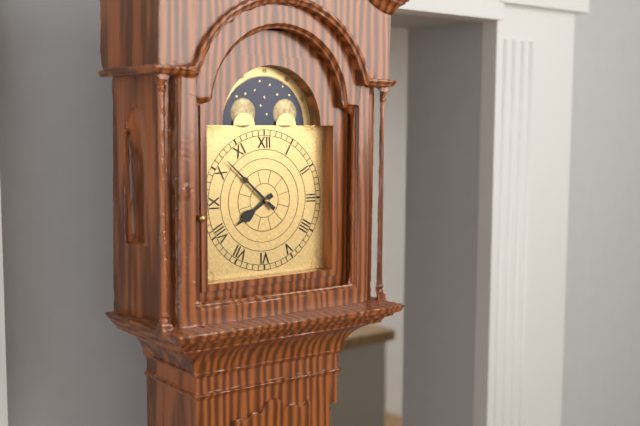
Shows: 7:52
